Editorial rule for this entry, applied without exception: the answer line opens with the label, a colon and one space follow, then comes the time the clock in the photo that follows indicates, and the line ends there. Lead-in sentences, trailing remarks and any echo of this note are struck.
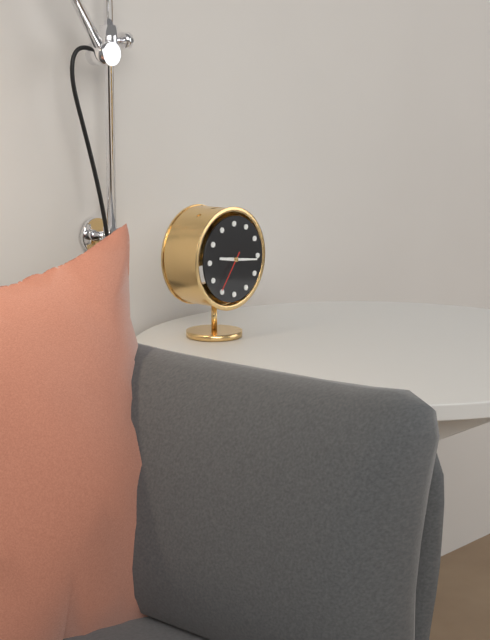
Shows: 9:16
